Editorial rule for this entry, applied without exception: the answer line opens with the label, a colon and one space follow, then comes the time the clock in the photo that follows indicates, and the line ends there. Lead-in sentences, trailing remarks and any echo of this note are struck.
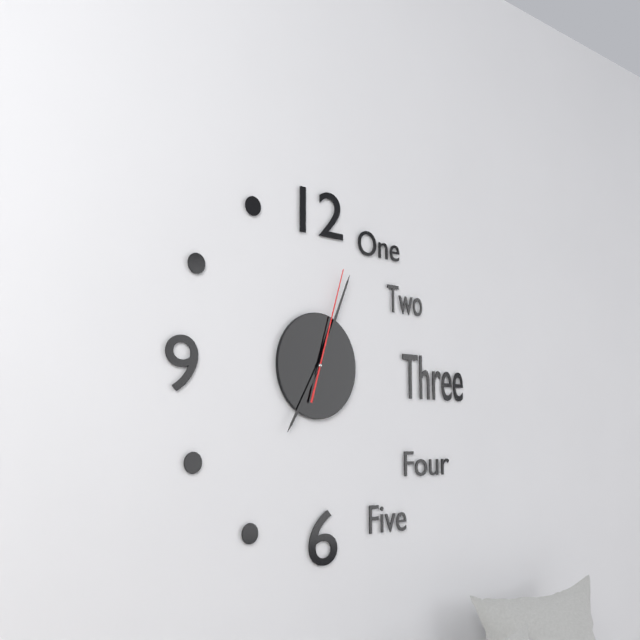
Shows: 7:04:03
